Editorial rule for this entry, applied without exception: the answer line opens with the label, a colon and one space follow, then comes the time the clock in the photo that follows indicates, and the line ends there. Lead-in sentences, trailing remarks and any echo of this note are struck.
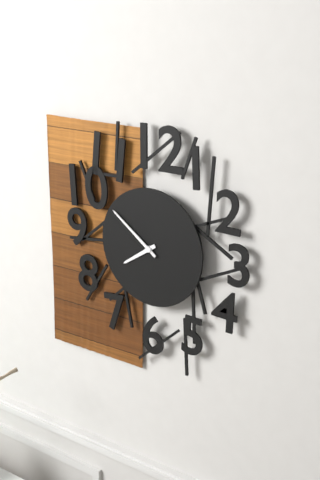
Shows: 7:51
